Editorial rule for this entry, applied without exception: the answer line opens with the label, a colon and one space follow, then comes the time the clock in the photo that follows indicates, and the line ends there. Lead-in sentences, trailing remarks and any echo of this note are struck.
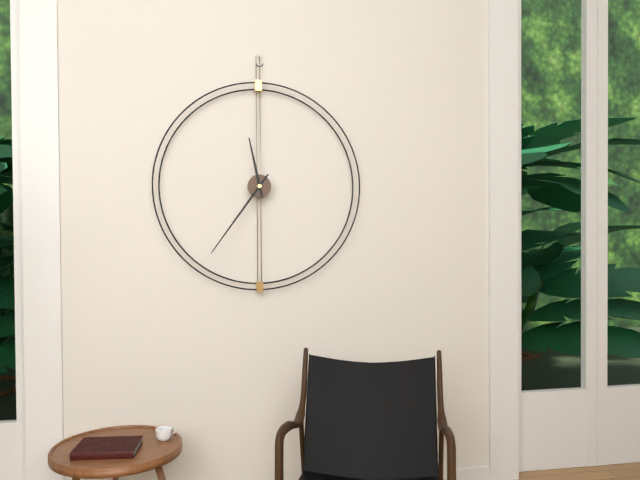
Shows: 11:36
